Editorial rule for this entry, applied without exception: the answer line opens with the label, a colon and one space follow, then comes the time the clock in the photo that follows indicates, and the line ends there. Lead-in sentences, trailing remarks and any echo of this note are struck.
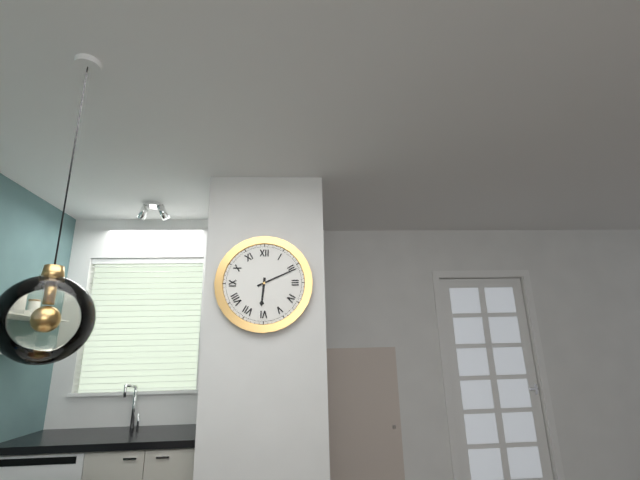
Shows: 6:11
